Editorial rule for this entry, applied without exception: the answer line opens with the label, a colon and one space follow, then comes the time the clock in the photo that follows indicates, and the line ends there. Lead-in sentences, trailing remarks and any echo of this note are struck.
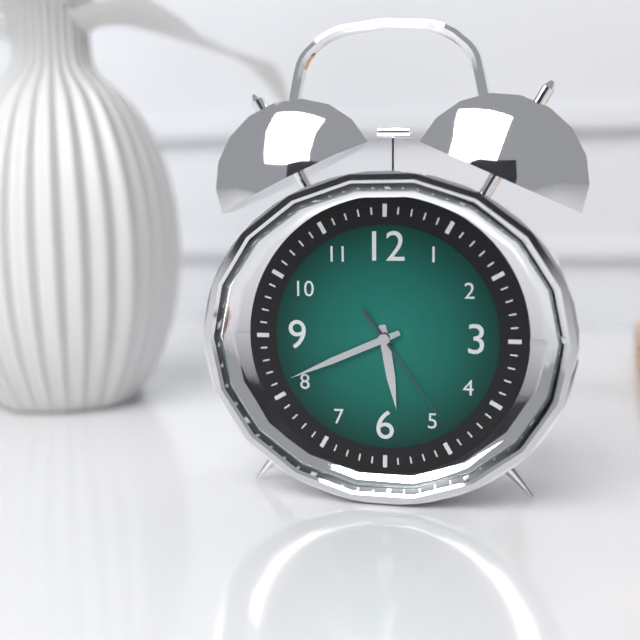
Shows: 5:41:24
